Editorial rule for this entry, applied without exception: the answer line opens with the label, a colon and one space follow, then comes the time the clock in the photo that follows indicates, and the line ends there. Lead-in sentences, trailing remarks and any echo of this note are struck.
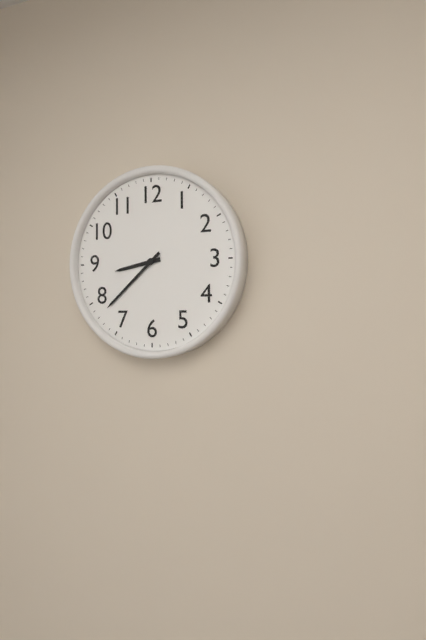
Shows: 8:38
